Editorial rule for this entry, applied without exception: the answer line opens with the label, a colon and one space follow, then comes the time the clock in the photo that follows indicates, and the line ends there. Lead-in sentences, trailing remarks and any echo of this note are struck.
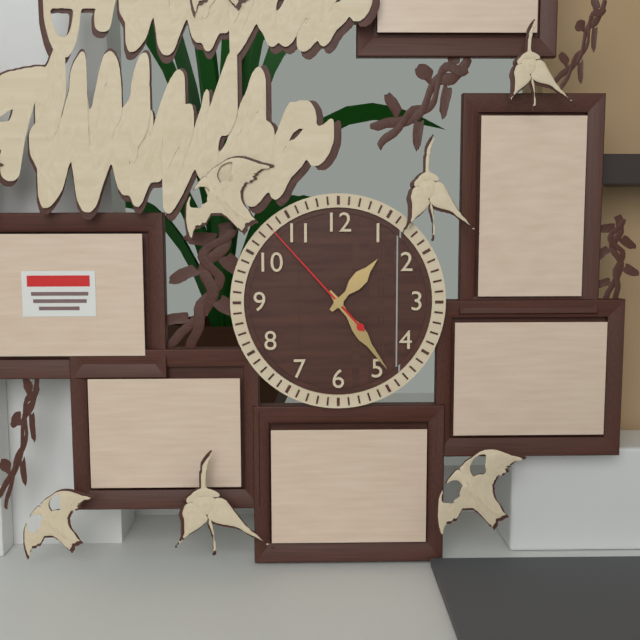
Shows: 1:24:53
